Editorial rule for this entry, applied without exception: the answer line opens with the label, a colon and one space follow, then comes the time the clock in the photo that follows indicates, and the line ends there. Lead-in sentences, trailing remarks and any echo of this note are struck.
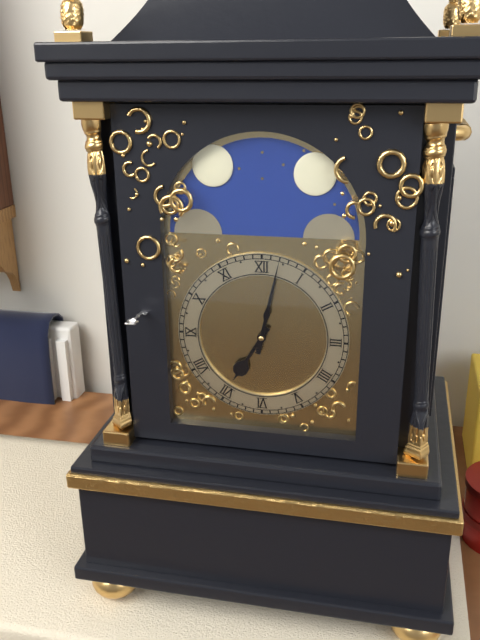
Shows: 7:02
